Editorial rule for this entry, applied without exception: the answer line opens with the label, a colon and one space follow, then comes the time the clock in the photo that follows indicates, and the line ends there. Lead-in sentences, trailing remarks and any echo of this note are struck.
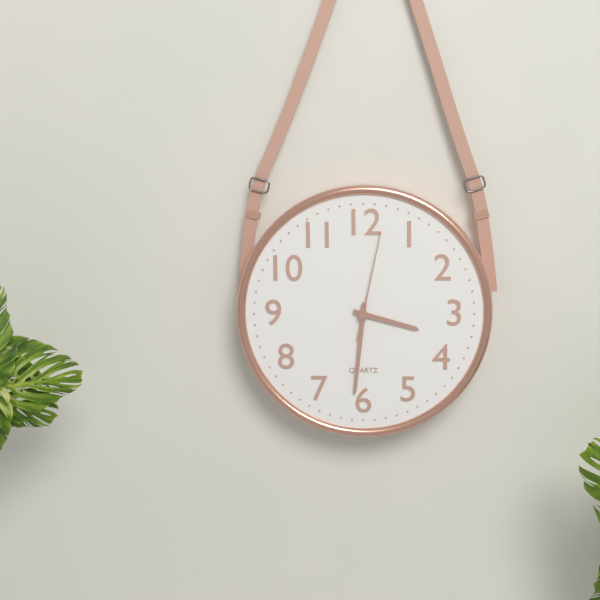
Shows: 3:31:02
